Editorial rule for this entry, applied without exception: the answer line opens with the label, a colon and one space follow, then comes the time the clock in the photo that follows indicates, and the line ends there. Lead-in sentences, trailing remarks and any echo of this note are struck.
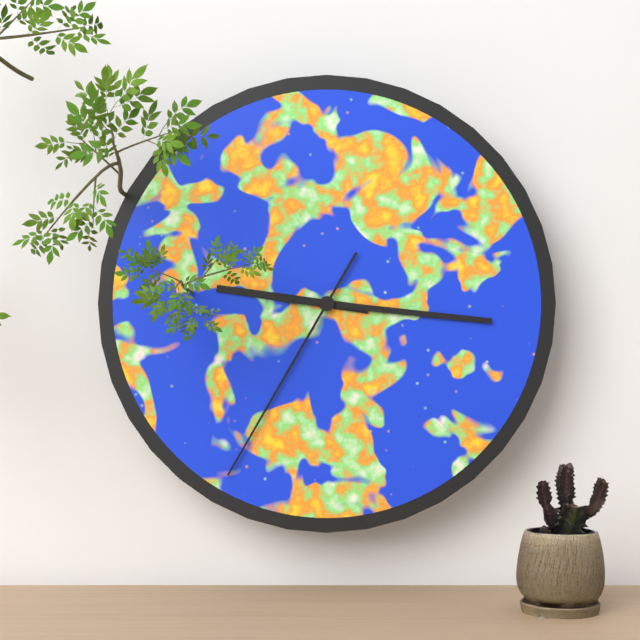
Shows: 9:16:35
